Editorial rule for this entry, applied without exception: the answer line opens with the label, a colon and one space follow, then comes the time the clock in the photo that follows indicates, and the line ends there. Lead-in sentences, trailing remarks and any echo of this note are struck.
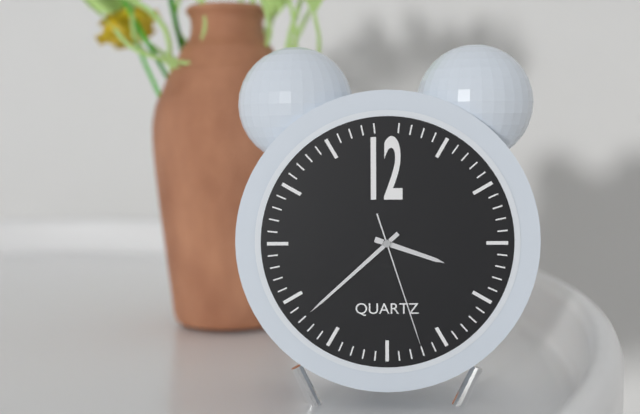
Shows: 3:38:27
